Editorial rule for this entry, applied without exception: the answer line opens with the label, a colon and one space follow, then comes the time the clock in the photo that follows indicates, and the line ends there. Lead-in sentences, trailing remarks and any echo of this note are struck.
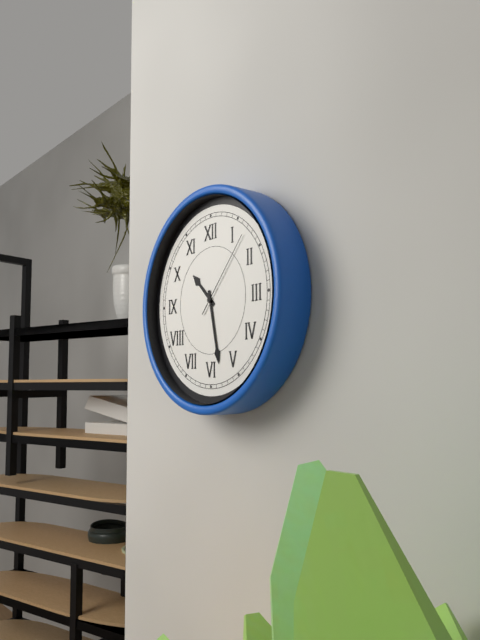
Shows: 10:28:07
